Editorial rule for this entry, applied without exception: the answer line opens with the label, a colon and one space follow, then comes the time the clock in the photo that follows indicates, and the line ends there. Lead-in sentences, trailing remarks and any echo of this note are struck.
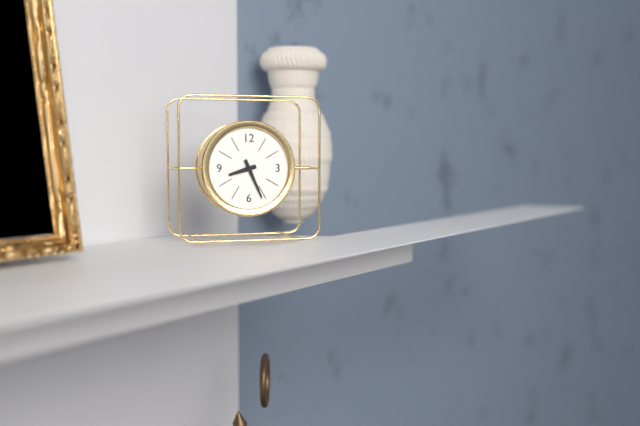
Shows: 8:26
